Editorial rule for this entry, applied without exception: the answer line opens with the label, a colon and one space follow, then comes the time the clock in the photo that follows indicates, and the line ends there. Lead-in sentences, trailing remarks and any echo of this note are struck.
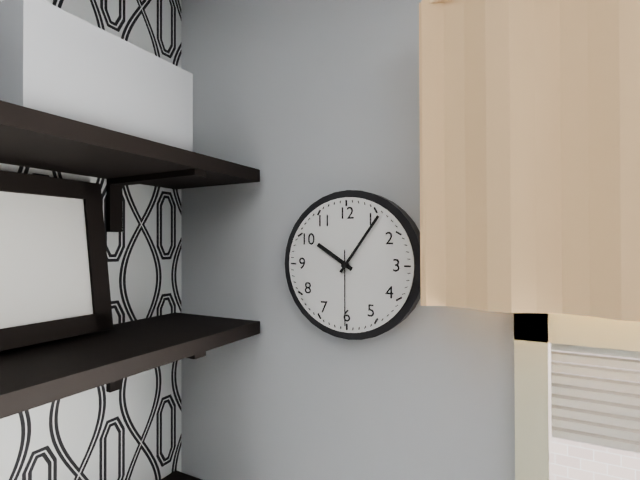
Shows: 10:06:30
